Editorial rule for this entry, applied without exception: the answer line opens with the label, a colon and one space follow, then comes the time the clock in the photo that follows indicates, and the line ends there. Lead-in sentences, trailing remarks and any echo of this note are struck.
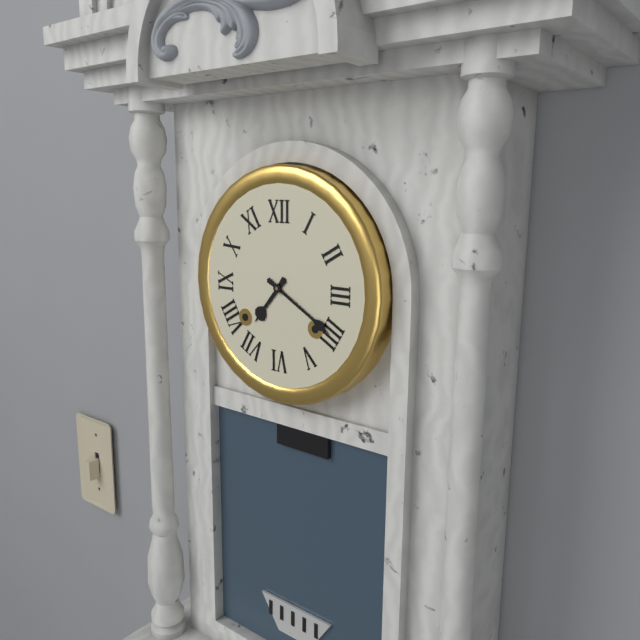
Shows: 7:20
